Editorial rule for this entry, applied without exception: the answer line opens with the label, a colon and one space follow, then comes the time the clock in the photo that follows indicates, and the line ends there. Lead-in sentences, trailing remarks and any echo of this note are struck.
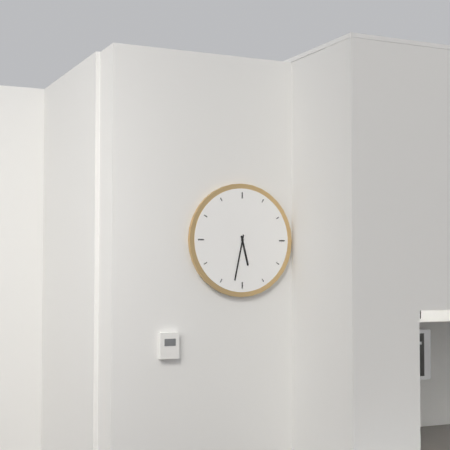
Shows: 5:32
